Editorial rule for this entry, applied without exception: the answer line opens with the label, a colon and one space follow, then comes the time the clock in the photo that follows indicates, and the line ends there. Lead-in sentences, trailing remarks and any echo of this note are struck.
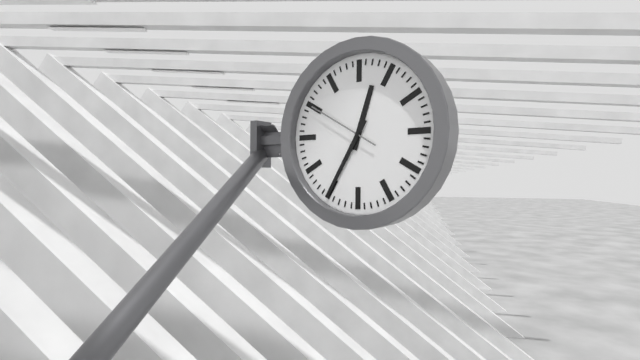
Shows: 12:35:50
